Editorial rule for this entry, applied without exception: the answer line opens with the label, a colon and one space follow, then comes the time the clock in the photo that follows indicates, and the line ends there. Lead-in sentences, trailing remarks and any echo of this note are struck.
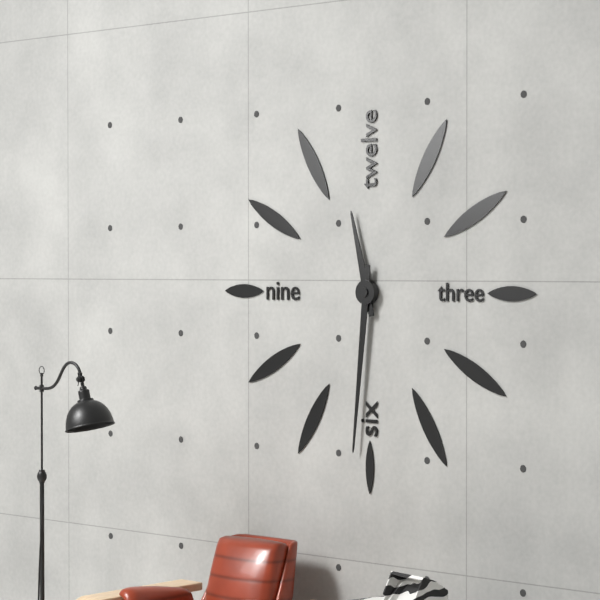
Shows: 11:31
